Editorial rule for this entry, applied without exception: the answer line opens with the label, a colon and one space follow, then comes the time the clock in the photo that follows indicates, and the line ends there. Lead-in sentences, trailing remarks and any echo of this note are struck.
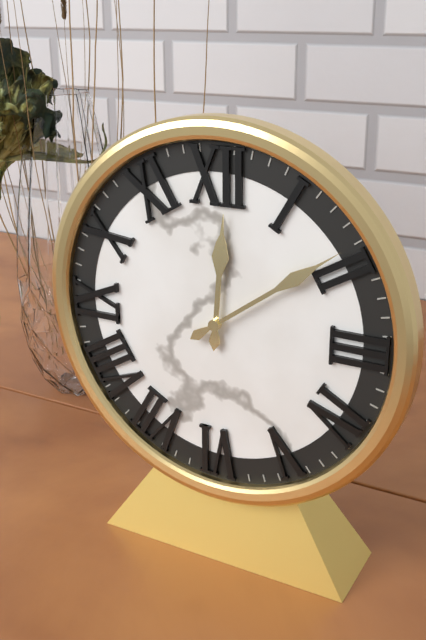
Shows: 12:09
